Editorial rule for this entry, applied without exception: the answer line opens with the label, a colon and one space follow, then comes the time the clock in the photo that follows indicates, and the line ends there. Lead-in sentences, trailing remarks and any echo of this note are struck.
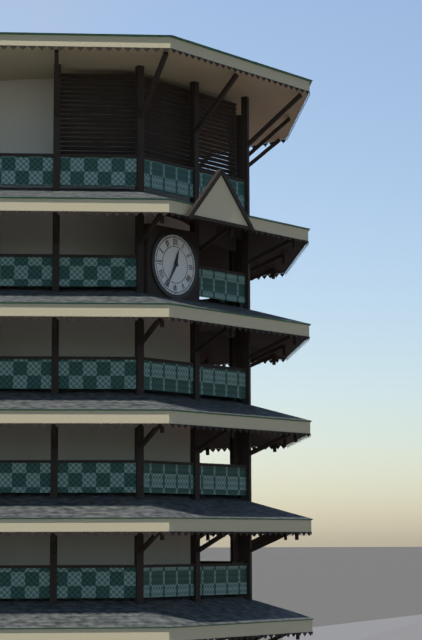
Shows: 12:35
